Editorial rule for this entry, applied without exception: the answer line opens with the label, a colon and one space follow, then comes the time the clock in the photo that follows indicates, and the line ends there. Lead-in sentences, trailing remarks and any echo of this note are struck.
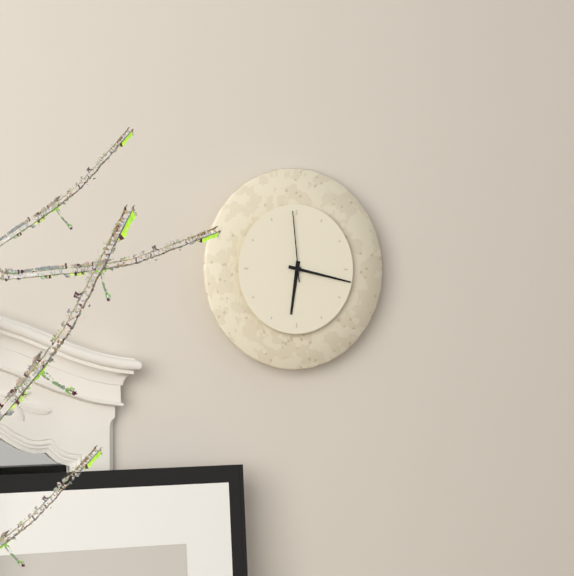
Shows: 6:17:59
